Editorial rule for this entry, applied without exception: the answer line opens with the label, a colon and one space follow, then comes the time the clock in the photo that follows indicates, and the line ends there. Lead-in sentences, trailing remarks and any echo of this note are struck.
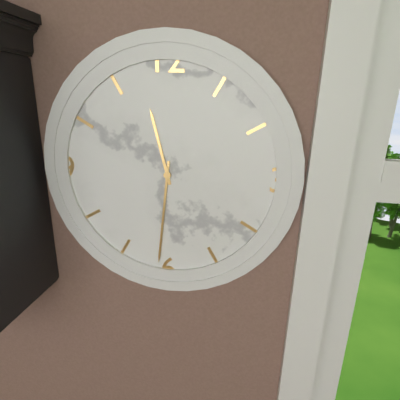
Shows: 11:31
